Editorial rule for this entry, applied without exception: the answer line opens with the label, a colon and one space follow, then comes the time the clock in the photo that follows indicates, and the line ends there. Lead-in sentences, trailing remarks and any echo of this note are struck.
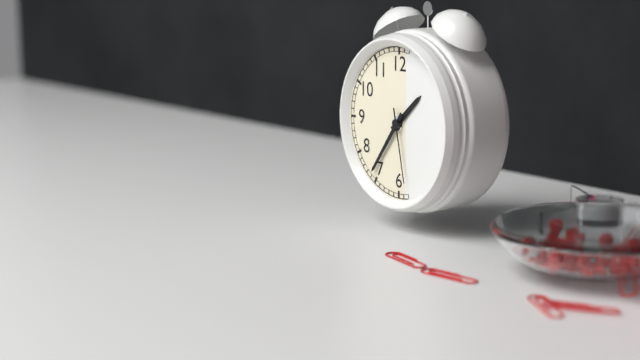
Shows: 1:36:28
